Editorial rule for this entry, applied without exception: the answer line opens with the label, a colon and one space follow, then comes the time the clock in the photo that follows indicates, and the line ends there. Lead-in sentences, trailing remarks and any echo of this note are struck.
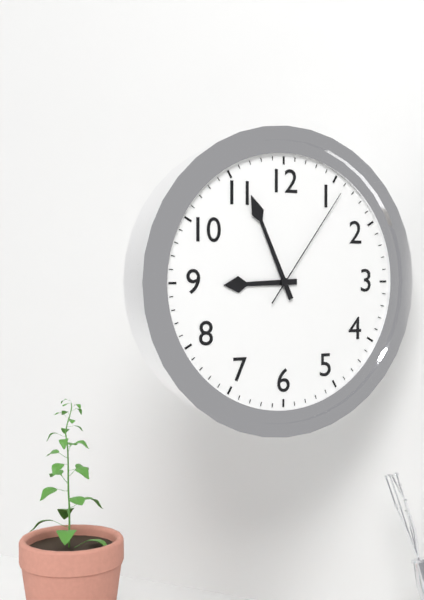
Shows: 8:56:06
